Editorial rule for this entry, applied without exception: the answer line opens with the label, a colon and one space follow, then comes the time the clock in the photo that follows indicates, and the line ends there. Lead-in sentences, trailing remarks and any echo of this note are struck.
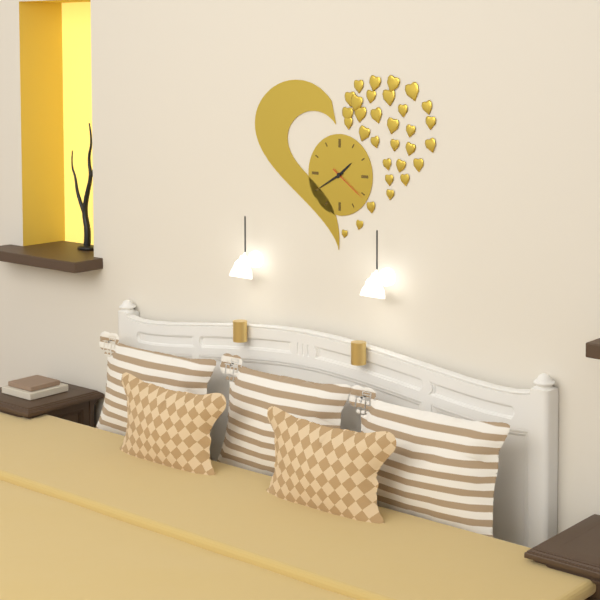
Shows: 1:40
